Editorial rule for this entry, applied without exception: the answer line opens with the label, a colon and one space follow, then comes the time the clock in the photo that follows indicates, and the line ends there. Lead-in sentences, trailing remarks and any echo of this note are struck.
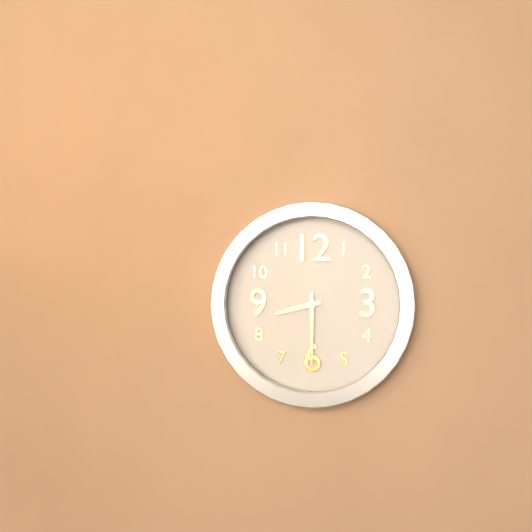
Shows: 8:30
